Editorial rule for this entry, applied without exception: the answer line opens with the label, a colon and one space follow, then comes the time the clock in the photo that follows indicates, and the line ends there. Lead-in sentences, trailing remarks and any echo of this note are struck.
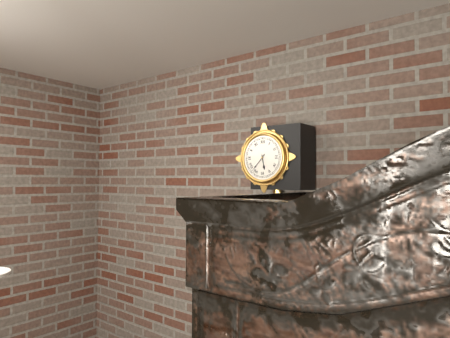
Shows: 5:37
